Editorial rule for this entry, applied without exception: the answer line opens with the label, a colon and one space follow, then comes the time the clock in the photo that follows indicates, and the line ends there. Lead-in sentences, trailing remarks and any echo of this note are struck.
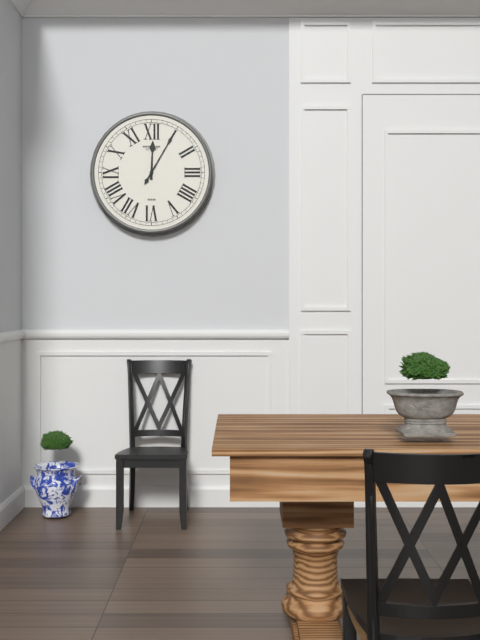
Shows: 12:05
